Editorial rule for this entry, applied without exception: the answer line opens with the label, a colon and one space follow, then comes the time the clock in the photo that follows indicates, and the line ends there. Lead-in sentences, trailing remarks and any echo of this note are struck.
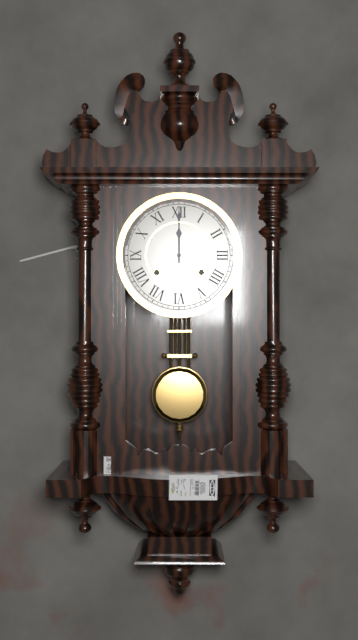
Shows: 12:00
